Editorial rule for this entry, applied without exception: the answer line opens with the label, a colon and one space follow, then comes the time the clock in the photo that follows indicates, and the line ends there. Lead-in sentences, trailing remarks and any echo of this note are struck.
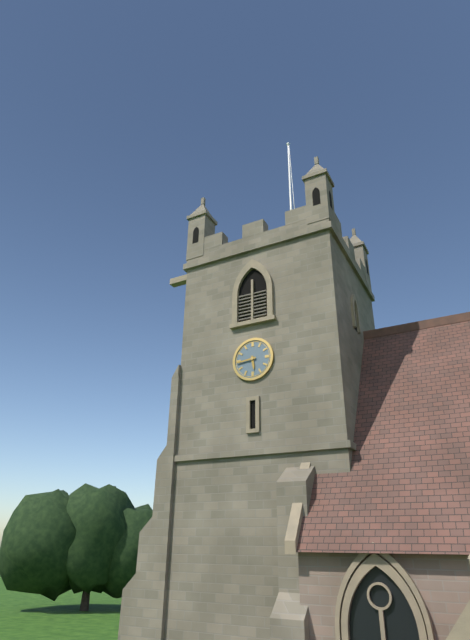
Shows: 5:44
